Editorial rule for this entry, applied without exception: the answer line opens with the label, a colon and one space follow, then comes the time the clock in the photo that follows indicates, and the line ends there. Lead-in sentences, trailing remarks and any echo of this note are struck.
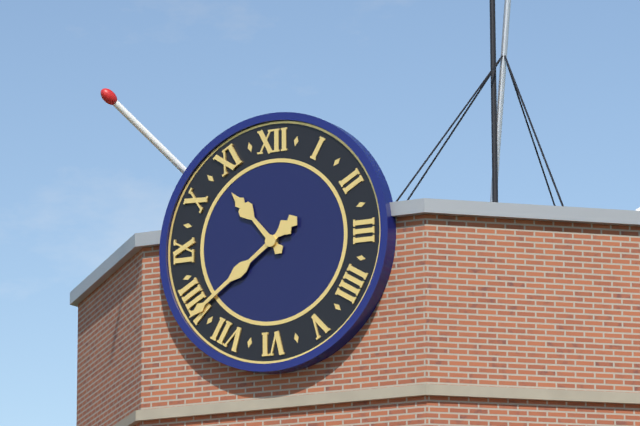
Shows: 10:39
